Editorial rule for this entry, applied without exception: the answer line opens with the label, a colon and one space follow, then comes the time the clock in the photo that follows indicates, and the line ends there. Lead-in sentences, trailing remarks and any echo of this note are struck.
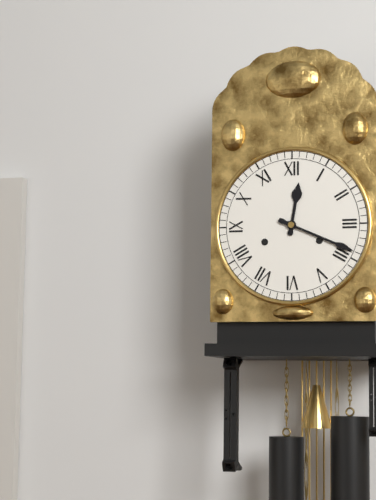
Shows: 12:19
